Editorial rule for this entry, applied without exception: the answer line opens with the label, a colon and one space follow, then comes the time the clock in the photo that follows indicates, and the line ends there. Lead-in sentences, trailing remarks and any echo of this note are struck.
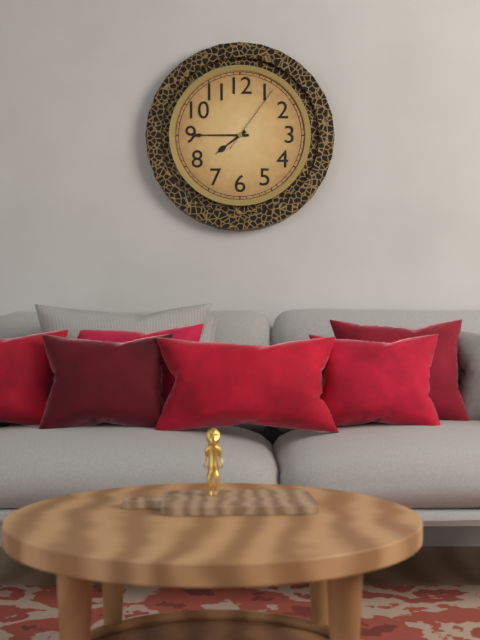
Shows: 7:45:06
